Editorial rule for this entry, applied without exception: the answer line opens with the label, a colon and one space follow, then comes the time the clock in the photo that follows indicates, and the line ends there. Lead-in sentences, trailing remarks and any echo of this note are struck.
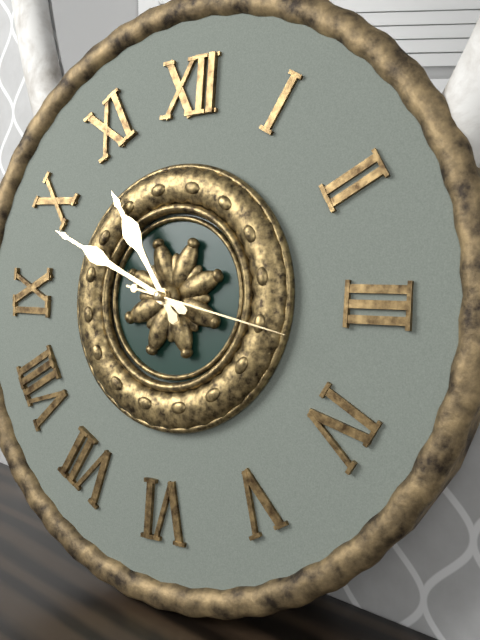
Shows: 10:49:17
